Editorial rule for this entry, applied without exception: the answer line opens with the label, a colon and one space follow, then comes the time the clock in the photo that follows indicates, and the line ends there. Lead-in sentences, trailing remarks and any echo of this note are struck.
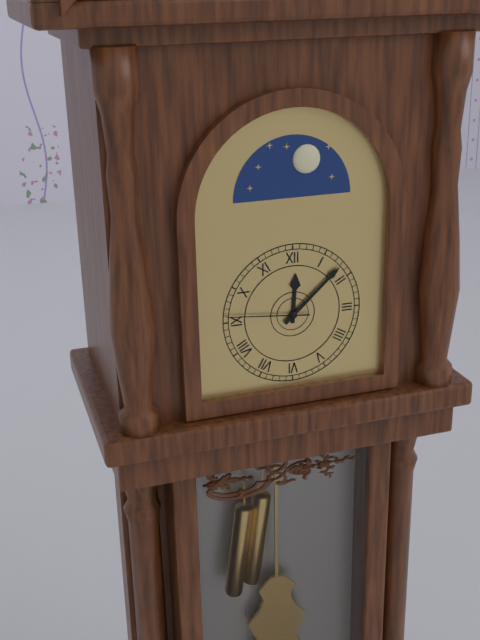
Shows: 12:08:46
